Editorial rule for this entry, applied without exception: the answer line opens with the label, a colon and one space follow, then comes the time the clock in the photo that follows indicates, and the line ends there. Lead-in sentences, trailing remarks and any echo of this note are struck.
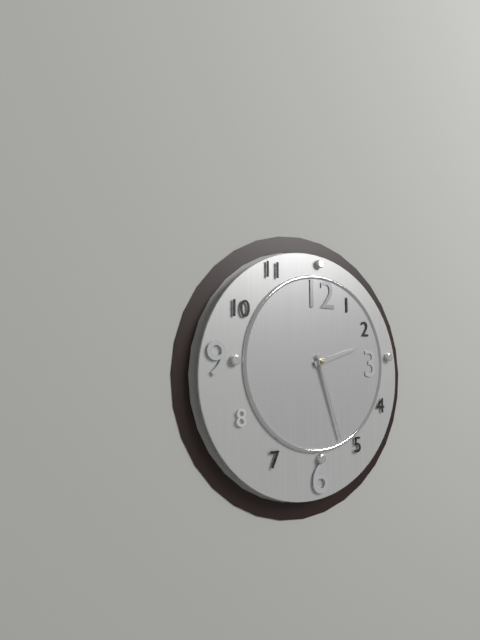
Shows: 2:27
